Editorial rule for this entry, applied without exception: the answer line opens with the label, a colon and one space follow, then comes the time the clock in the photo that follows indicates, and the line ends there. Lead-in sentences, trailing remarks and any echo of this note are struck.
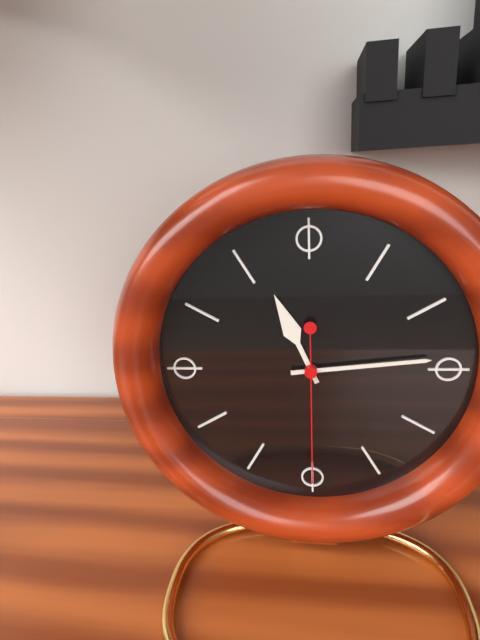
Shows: 11:14:30
